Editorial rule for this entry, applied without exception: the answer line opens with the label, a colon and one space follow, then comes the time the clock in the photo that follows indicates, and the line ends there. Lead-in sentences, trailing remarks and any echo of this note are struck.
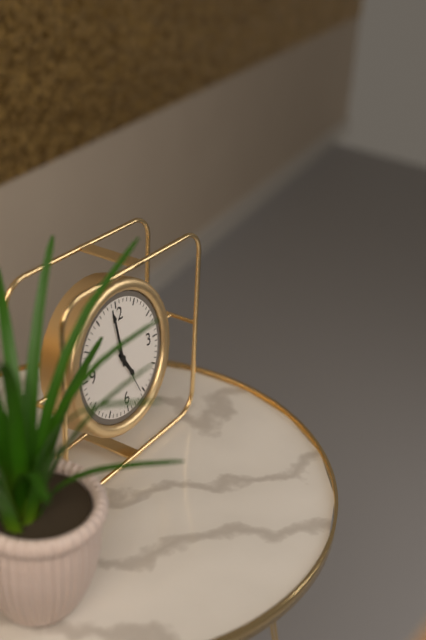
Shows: 4:59
